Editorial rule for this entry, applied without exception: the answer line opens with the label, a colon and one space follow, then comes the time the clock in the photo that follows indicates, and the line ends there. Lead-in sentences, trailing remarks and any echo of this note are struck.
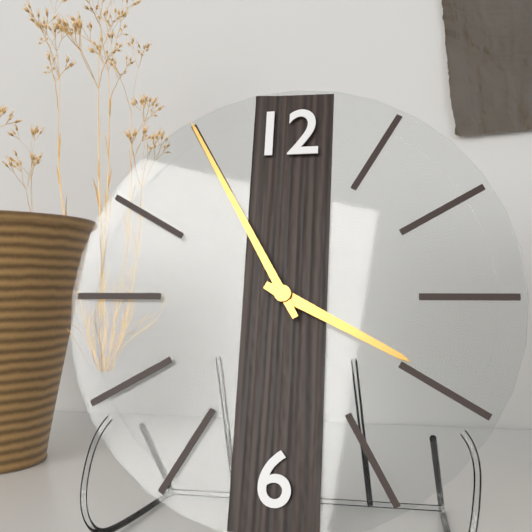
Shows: 3:55
